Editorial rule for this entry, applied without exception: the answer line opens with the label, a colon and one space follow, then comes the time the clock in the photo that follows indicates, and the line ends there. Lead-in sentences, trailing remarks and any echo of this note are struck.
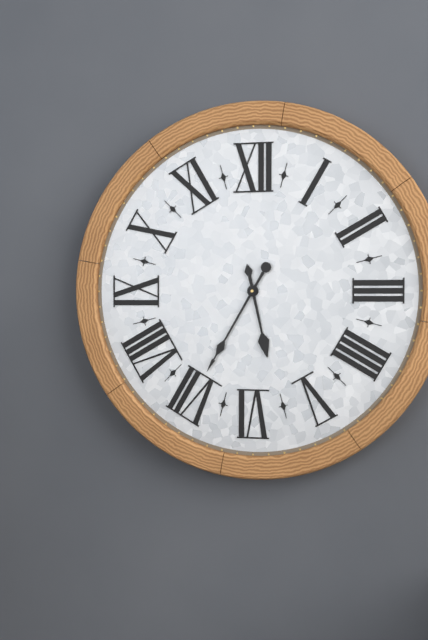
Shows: 5:35
